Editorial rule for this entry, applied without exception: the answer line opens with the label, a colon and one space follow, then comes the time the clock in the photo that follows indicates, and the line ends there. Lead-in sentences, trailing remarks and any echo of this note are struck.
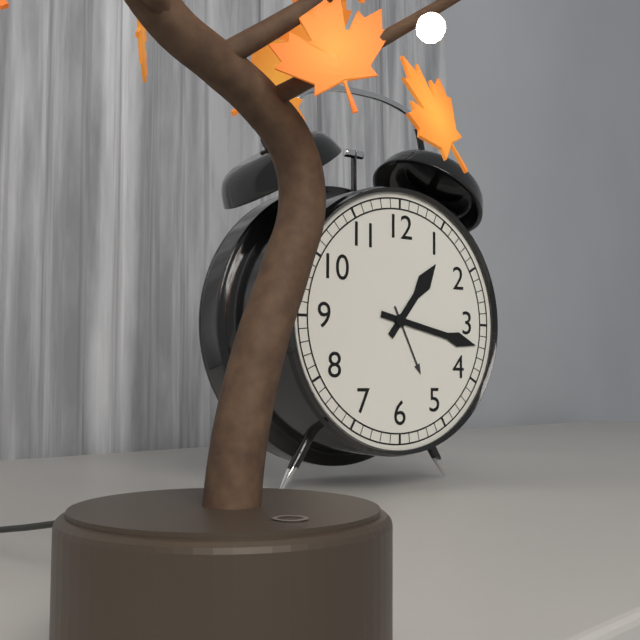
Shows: 1:17
